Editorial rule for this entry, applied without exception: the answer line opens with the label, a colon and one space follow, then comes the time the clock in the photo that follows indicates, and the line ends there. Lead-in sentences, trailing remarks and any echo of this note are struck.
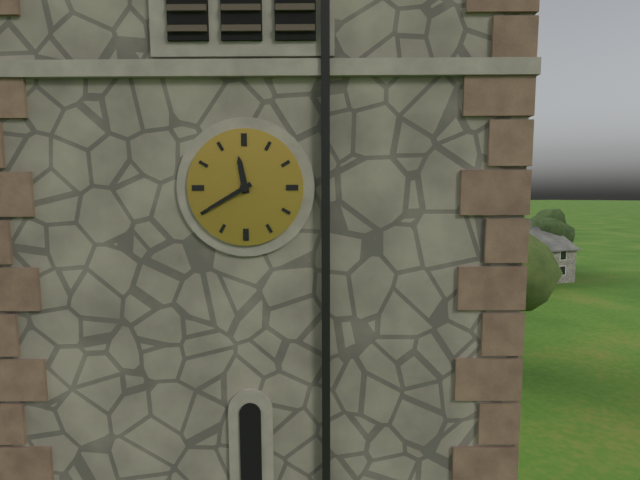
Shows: 11:40
